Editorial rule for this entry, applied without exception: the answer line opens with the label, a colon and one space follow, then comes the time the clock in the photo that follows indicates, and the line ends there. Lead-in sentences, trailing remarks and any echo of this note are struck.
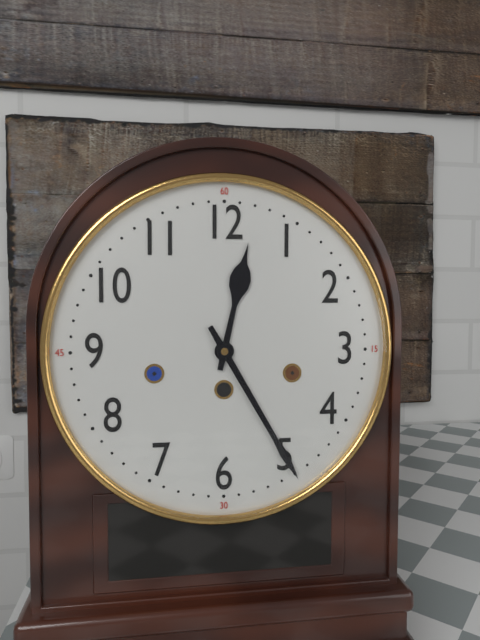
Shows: 12:25
